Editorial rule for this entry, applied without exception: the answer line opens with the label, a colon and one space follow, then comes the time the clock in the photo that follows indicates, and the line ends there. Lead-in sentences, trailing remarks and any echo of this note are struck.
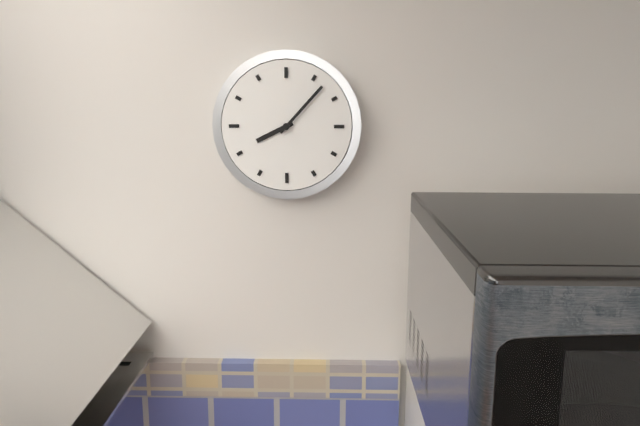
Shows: 8:07
